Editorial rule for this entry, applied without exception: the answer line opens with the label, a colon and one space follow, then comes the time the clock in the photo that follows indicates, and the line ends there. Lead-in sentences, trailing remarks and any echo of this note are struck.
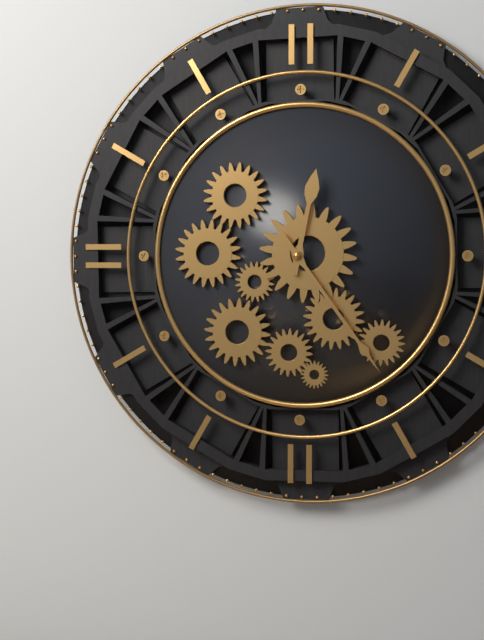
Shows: 12:24
